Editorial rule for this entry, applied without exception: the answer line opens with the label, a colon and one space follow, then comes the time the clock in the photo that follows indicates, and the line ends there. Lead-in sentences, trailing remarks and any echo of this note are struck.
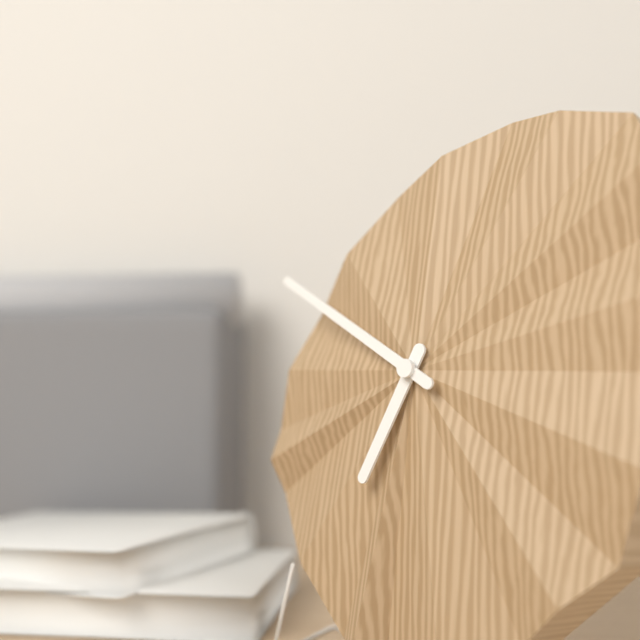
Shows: 6:50
